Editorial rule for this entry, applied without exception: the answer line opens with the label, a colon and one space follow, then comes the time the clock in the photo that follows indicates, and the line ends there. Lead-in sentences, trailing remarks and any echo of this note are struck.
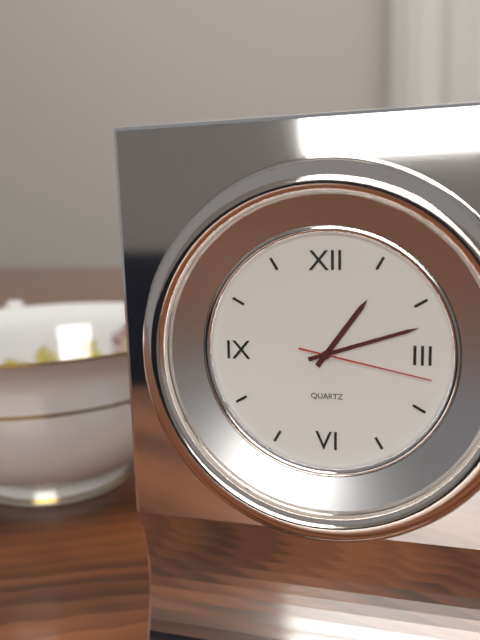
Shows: 1:12:17
